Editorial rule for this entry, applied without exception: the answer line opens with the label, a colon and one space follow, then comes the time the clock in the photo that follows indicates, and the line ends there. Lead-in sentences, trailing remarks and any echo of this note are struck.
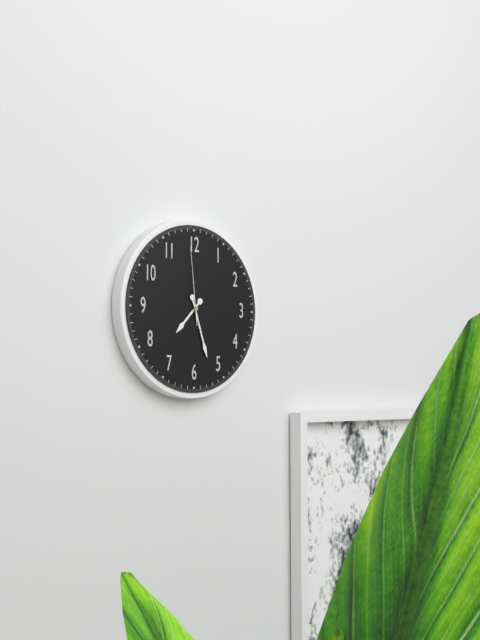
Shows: 7:27:59
